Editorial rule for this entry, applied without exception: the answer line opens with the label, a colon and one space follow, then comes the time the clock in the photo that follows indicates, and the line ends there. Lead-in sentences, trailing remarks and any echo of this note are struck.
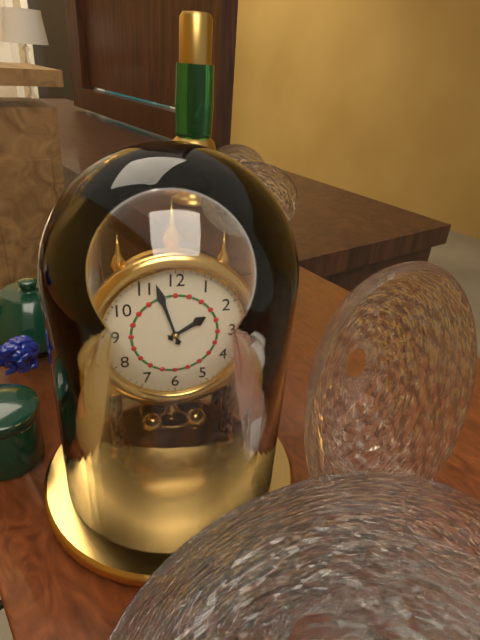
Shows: 1:57
